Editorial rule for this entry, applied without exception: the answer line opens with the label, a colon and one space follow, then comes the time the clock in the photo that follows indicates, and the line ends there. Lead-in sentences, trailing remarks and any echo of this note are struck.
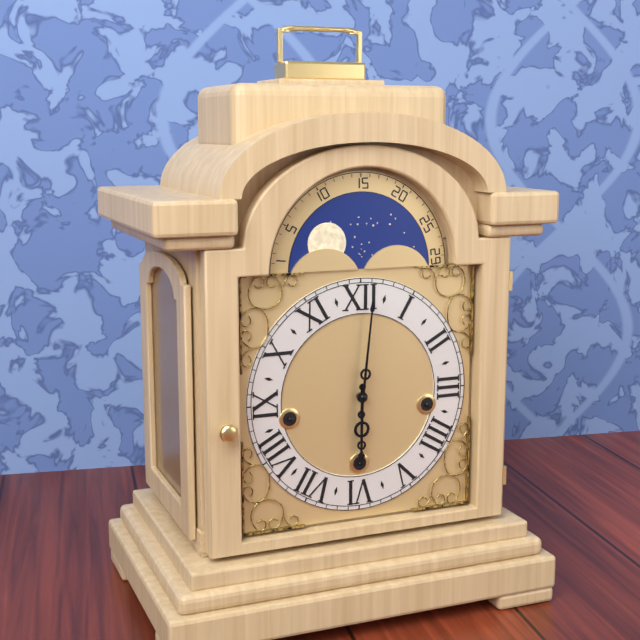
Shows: 6:01
